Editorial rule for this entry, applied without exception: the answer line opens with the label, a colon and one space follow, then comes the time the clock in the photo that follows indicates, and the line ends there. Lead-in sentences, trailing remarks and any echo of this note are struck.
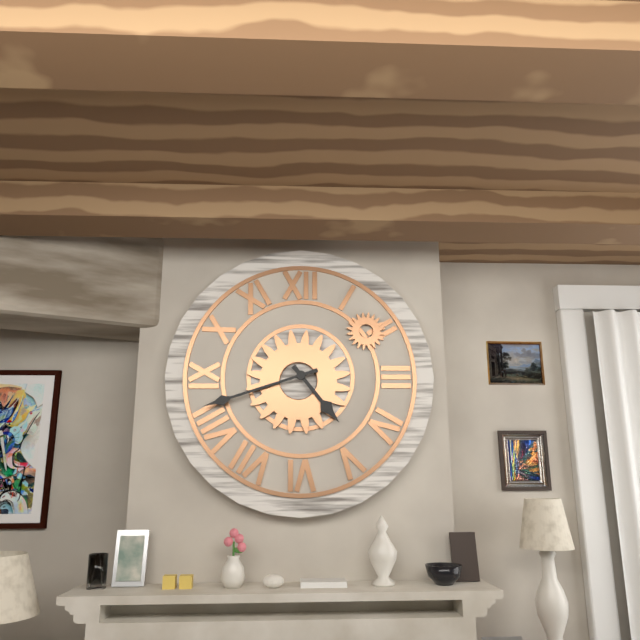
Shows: 4:42
